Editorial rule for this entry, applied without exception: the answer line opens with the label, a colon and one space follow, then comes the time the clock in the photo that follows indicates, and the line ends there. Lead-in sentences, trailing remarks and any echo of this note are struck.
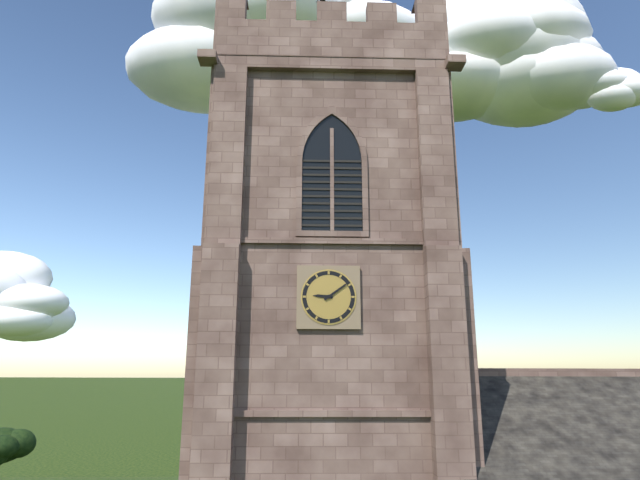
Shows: 9:09
